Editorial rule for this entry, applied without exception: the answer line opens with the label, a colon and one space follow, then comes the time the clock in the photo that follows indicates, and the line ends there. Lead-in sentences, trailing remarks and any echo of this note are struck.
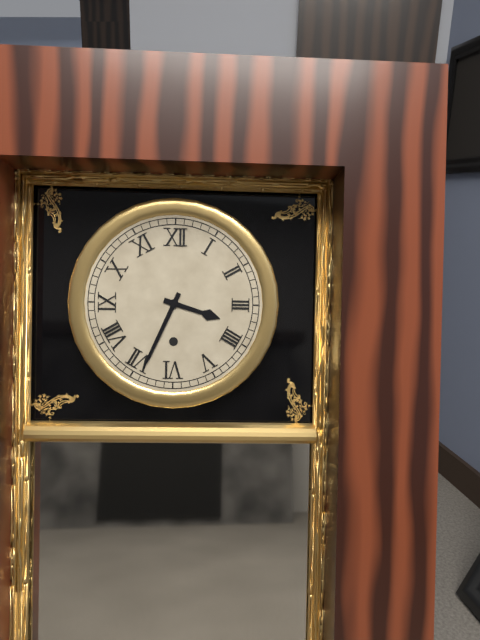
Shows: 3:34
